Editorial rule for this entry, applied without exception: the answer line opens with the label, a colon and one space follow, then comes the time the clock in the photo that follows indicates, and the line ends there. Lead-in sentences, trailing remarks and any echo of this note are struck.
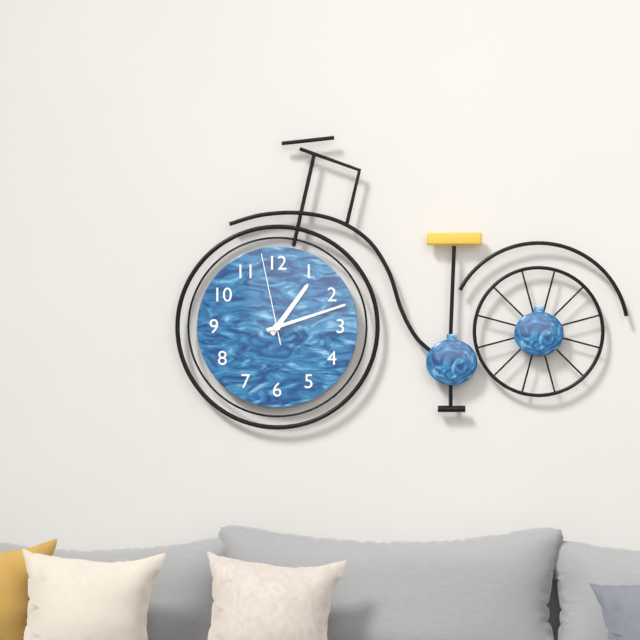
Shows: 1:12:58
